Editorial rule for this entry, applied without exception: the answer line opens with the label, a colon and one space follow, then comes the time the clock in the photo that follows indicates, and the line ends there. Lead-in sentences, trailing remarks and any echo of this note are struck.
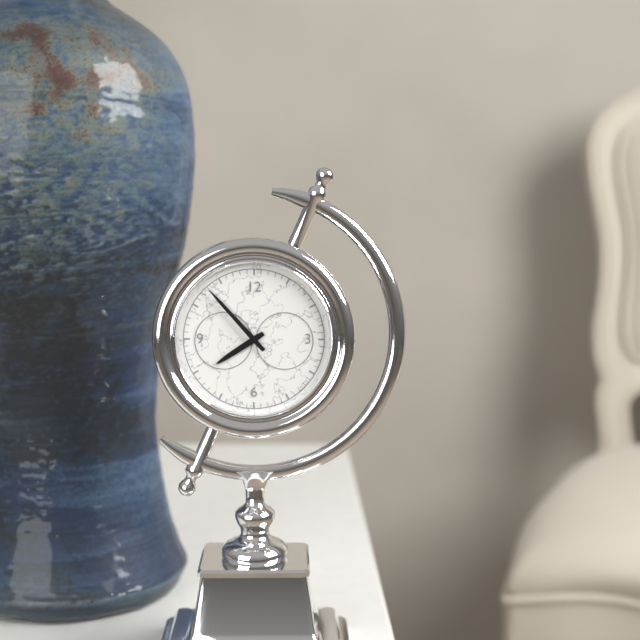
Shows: 7:53
